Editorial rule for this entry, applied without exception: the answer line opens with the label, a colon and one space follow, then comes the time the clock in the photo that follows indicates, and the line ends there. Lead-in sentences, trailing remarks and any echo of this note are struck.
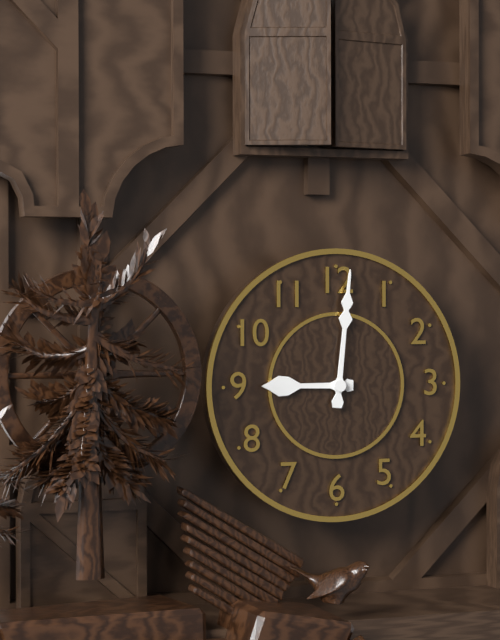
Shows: 9:01
